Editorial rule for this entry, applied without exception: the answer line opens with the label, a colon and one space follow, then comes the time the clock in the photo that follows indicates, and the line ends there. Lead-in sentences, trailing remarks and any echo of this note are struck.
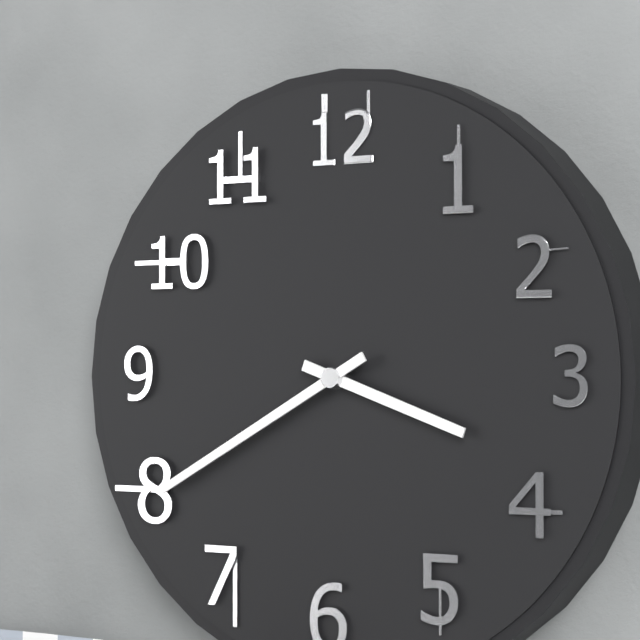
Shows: 3:40
